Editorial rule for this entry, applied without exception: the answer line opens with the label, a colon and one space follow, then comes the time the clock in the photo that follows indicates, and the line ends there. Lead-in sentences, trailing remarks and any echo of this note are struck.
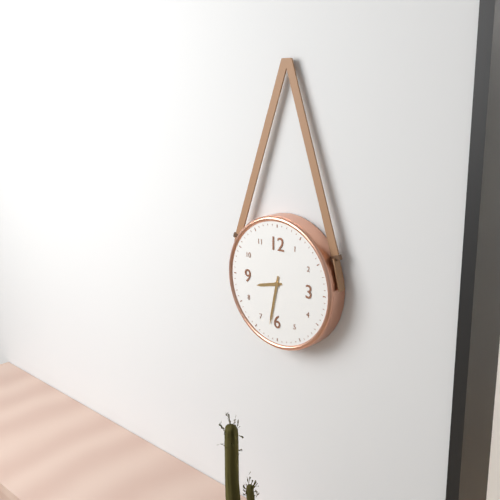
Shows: 8:32
